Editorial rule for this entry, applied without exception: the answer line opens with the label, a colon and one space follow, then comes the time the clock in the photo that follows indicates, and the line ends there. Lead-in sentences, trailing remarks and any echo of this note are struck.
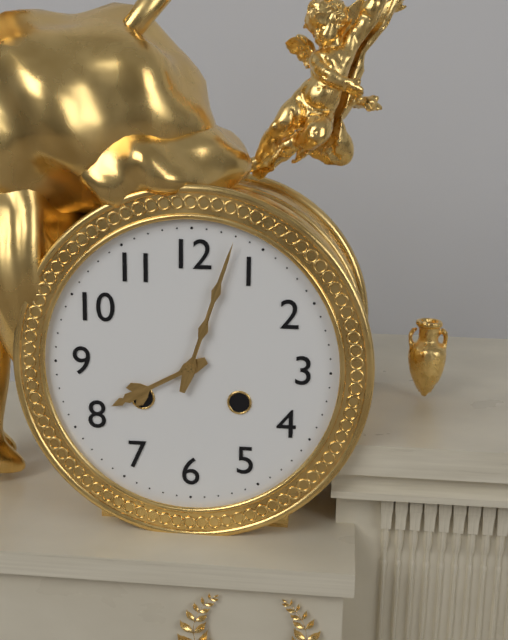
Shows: 8:03
